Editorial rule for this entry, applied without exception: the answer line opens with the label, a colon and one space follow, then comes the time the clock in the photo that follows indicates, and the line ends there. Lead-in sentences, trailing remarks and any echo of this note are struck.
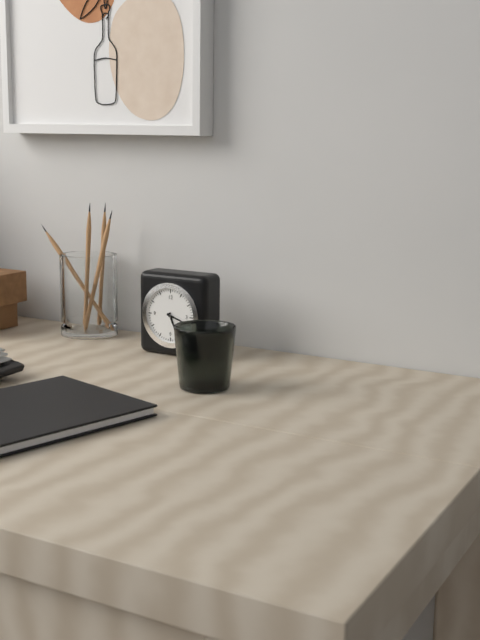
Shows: 5:18
